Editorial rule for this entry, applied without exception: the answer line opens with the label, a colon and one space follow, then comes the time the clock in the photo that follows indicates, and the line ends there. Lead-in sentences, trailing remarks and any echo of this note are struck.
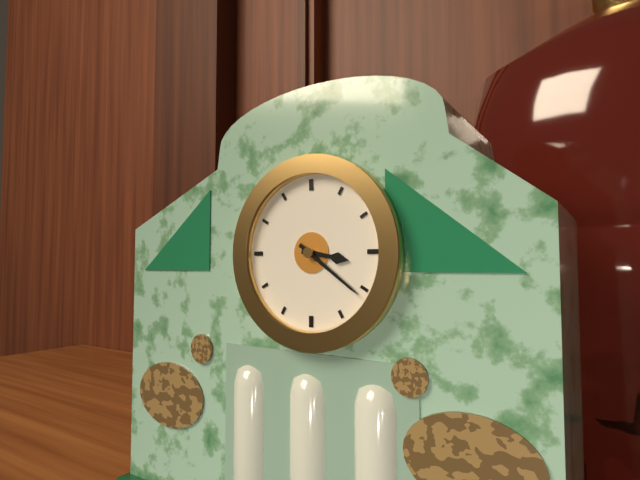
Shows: 3:21
